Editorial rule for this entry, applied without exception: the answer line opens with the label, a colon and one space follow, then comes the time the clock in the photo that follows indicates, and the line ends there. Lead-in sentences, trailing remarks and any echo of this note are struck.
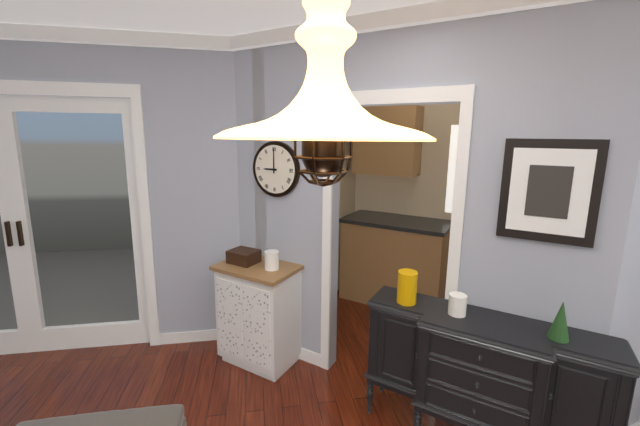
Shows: 9:00
